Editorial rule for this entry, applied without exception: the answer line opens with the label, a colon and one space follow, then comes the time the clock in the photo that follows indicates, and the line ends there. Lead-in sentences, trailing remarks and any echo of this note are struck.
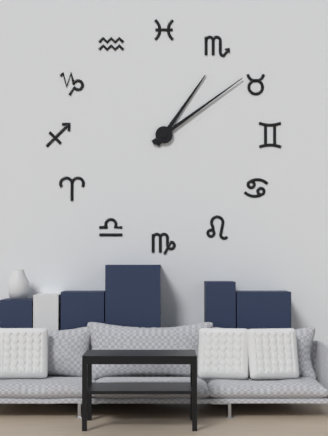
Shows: 1:09
